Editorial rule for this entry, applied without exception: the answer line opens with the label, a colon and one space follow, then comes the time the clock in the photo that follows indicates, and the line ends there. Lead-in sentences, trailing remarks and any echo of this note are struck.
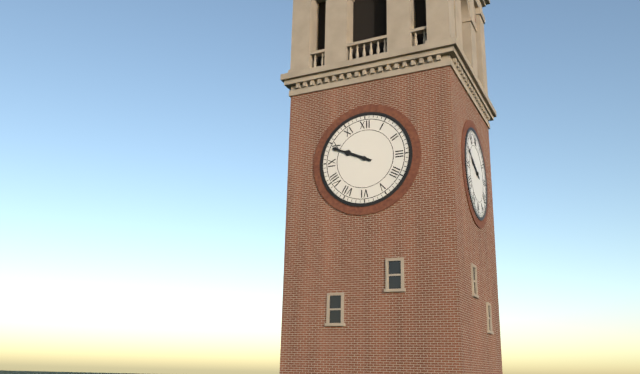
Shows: 9:49
